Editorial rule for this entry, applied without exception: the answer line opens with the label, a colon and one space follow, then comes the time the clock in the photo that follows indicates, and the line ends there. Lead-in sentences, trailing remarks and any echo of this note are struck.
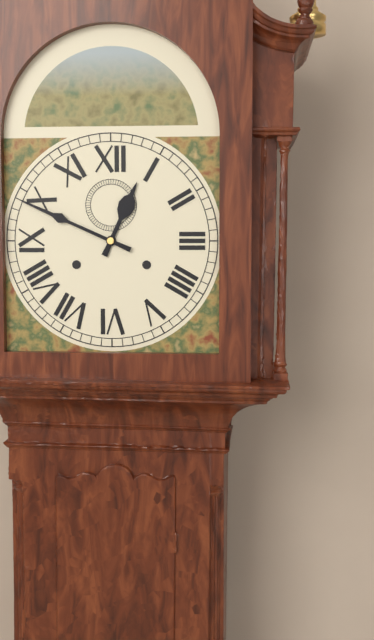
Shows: 12:49
